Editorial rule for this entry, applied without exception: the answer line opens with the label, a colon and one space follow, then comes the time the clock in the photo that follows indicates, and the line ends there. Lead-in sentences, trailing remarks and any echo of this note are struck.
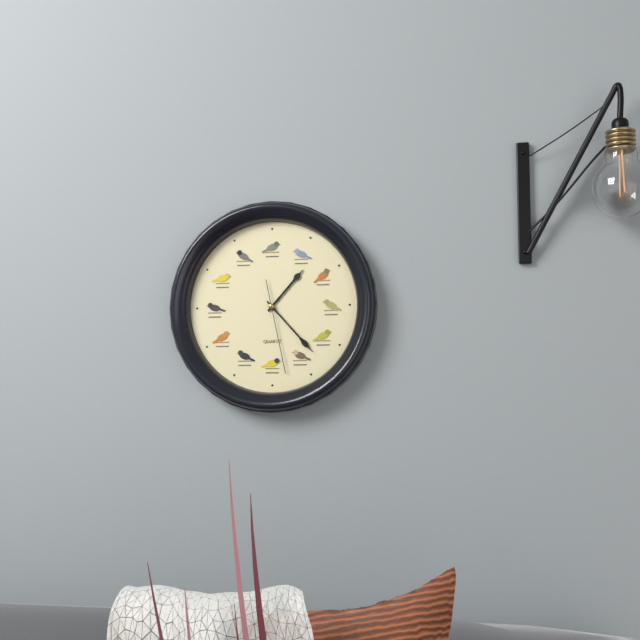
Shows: 1:23:28
